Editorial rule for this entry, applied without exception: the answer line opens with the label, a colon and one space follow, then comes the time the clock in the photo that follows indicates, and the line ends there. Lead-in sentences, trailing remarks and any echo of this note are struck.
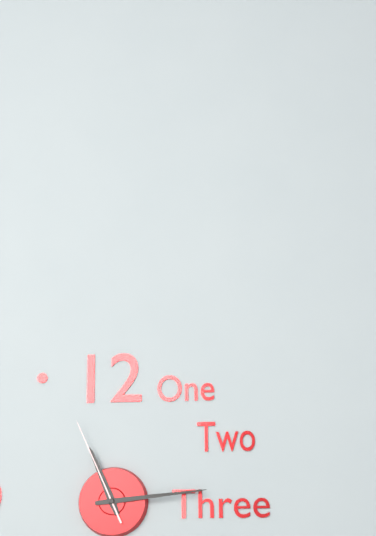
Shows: 11:14:56
